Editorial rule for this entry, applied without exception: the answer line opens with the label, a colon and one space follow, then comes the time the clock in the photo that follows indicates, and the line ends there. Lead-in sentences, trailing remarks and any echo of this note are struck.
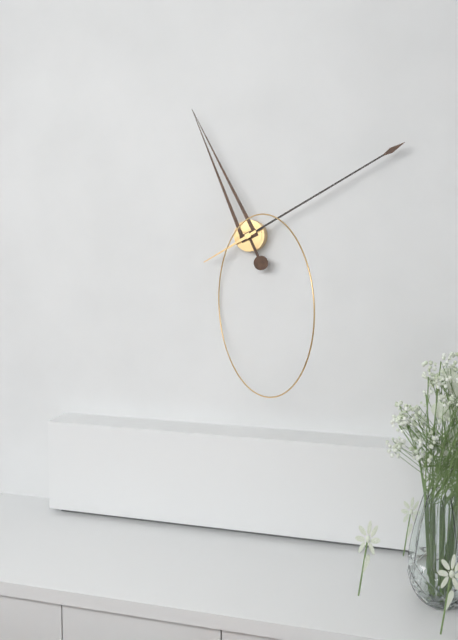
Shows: 11:10
